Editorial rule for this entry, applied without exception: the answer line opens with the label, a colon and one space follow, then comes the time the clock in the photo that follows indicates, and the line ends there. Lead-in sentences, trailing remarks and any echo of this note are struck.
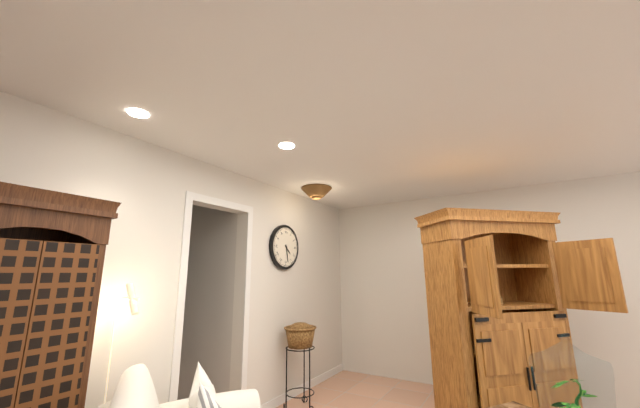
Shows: 4:28
